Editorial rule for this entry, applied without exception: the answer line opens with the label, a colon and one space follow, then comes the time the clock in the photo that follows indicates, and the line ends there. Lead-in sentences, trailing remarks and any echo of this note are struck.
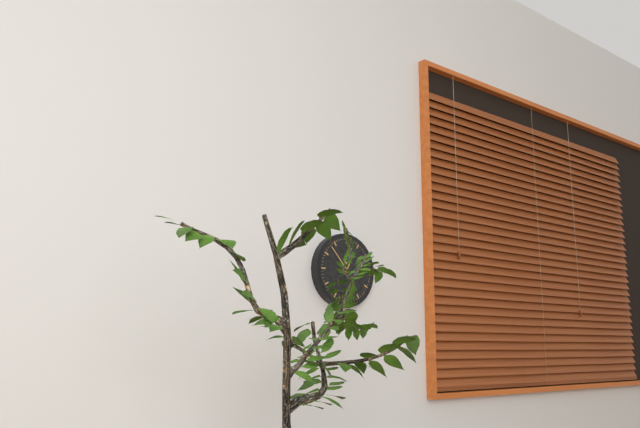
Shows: 12:53
